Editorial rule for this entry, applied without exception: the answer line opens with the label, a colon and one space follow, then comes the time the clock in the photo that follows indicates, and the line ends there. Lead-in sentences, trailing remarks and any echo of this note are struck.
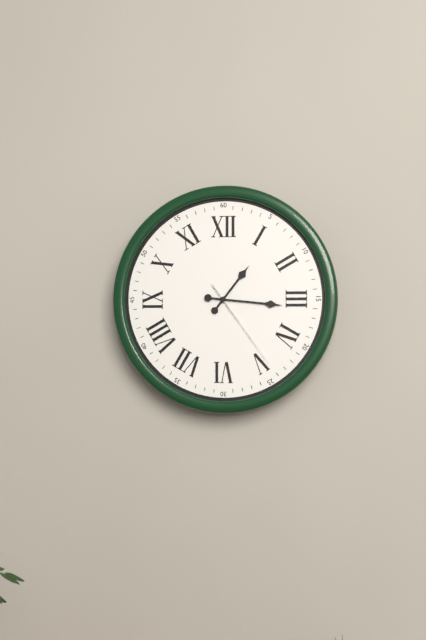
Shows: 1:16:24
